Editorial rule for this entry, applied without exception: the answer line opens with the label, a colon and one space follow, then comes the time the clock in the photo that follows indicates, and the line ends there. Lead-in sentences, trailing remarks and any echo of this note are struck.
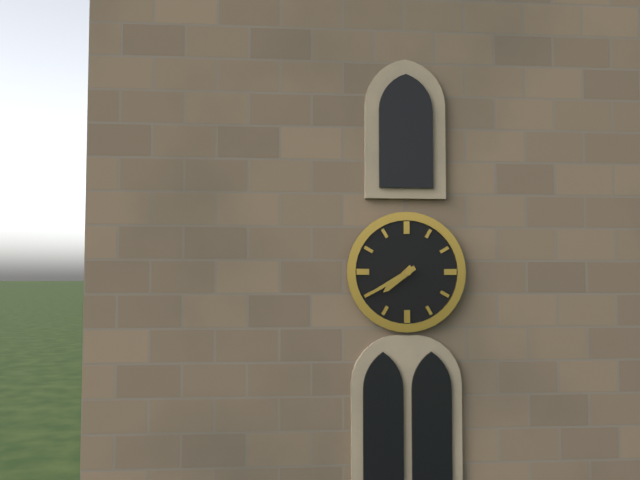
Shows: 7:40
